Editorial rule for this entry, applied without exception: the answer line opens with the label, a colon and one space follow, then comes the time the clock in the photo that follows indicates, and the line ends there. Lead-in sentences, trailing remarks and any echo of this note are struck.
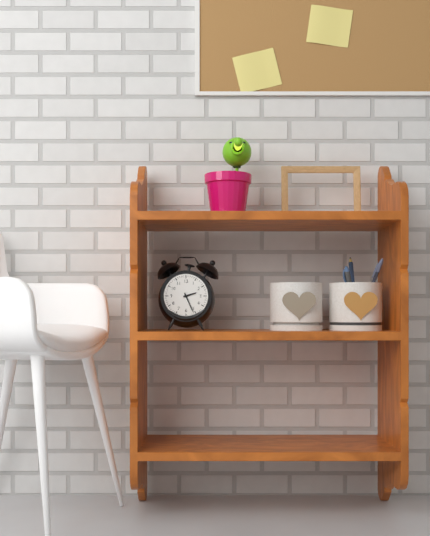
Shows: 2:26
